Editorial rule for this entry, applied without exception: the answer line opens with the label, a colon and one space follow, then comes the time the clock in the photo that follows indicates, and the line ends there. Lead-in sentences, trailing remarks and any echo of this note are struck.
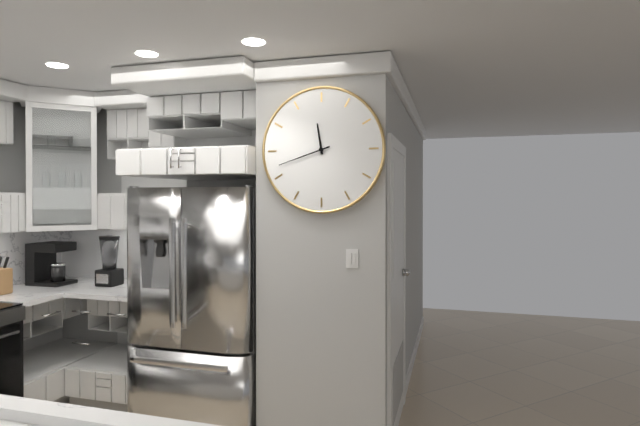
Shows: 11:42
